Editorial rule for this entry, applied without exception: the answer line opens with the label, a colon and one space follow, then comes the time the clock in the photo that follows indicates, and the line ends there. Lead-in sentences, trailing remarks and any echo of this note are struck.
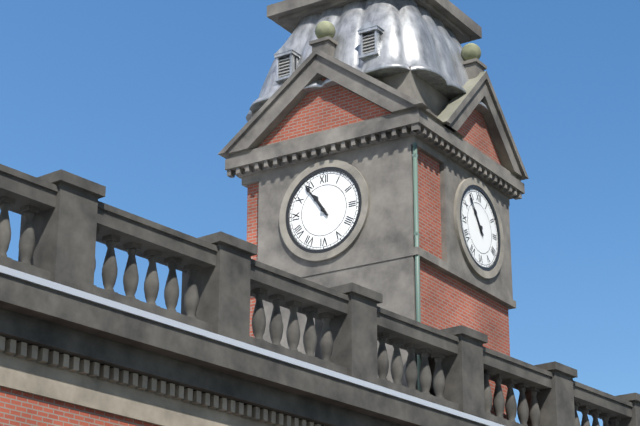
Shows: 10:54
